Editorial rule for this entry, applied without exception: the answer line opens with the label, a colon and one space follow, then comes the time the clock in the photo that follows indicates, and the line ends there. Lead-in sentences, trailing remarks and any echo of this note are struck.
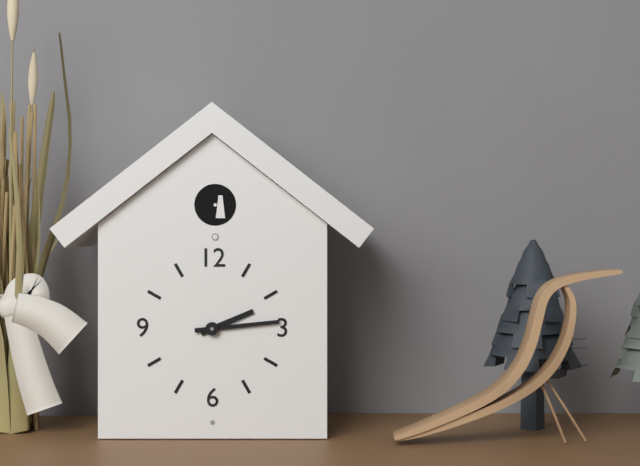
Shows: 2:14
